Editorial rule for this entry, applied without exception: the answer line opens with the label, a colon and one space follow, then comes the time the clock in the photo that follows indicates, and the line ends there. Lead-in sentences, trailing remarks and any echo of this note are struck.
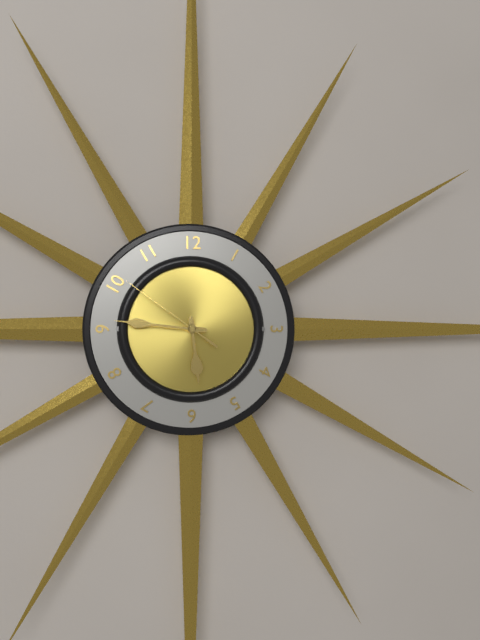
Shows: 5:46:51
